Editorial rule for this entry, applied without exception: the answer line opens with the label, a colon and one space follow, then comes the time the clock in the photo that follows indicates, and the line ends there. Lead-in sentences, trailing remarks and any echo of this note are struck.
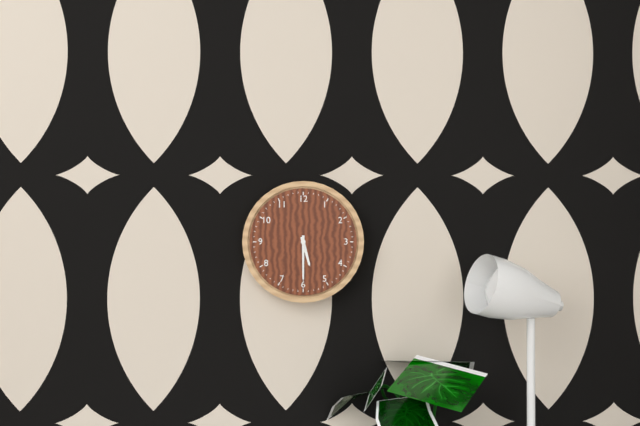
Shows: 5:30
